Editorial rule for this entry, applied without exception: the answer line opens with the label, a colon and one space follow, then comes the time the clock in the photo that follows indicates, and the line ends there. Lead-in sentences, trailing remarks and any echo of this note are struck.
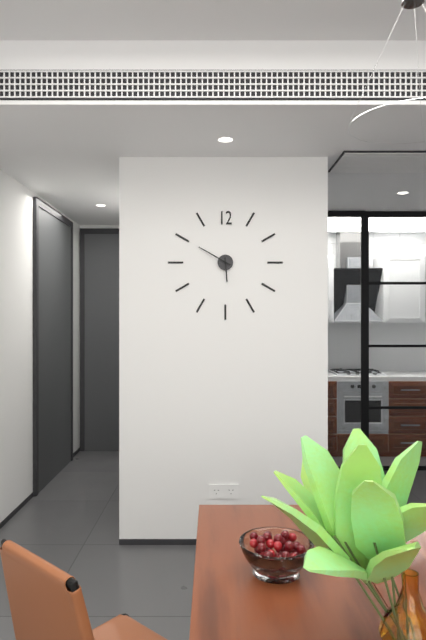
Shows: 5:50
